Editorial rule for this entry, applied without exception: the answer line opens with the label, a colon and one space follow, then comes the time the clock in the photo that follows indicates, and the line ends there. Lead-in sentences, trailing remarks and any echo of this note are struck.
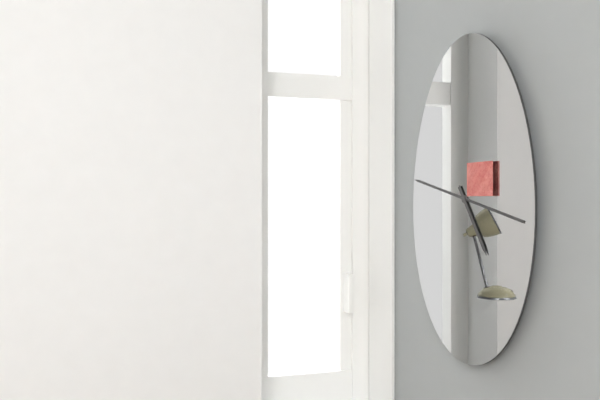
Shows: 4:47
